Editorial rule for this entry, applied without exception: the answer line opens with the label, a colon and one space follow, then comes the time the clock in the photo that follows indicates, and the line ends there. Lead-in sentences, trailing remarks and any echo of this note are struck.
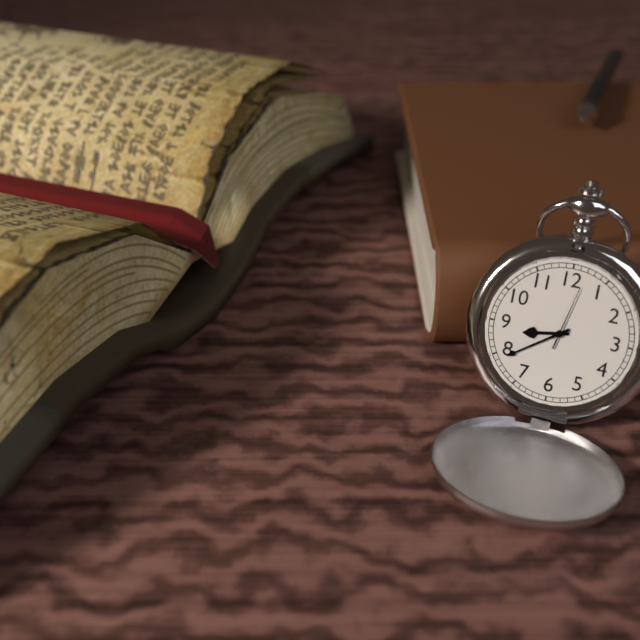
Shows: 8:39:02
